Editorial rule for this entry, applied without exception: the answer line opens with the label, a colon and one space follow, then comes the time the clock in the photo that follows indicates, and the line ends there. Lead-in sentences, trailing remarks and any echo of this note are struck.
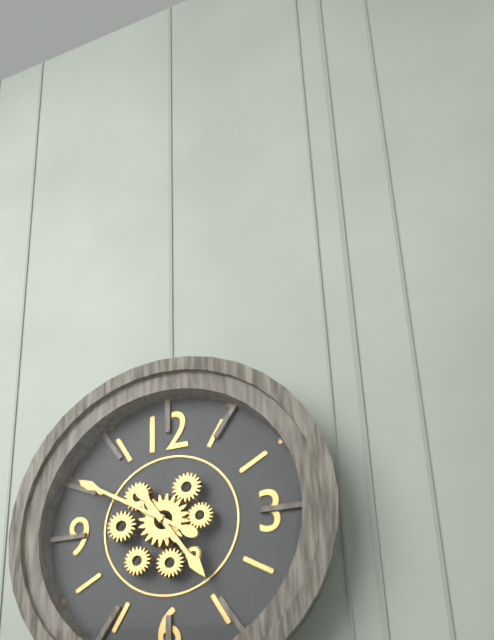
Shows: 4:50
